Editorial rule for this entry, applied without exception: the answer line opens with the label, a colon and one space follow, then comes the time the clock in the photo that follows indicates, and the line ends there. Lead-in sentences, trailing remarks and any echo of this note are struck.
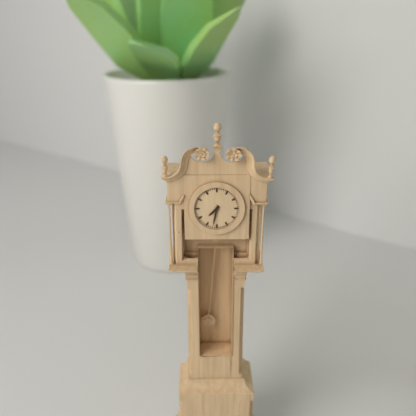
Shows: 7:32
